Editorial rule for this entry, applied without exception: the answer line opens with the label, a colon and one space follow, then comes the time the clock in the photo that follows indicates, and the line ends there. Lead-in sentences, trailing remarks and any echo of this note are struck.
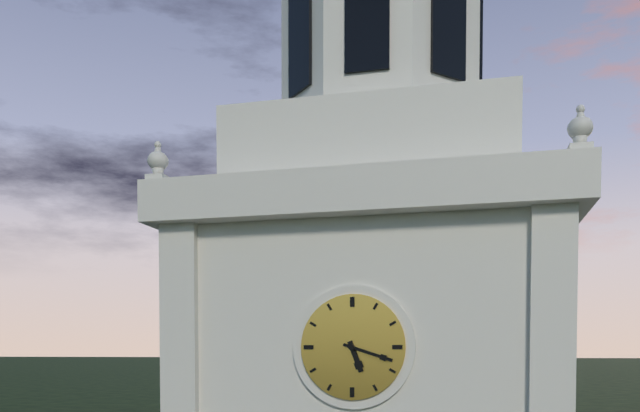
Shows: 5:18
